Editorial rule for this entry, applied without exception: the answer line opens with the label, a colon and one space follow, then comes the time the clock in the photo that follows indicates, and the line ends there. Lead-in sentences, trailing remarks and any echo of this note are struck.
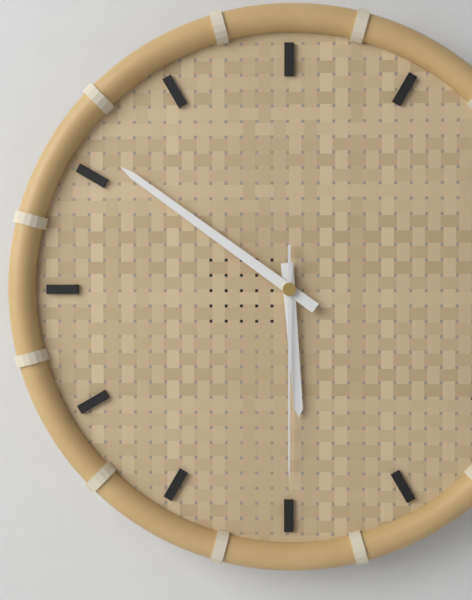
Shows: 5:51:30
